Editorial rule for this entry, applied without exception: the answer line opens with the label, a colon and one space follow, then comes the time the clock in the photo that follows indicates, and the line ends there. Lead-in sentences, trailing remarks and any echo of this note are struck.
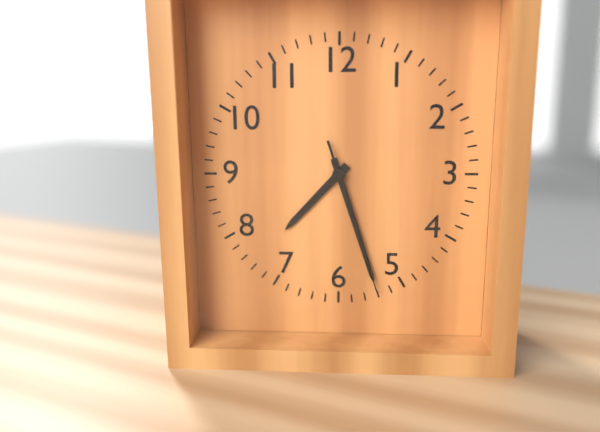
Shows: 7:27:27
